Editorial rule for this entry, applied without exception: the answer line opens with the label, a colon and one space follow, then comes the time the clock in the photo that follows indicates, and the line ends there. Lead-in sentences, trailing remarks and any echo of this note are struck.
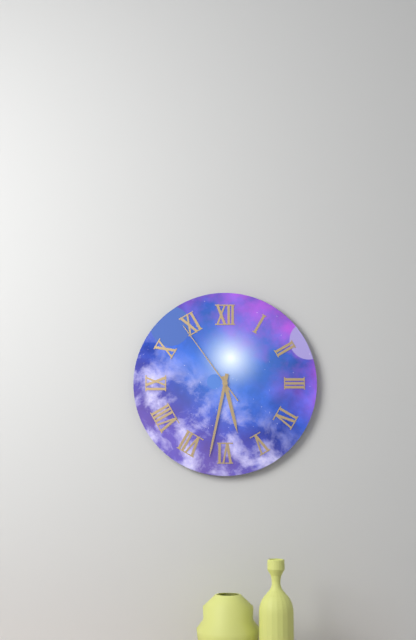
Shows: 5:32:54
